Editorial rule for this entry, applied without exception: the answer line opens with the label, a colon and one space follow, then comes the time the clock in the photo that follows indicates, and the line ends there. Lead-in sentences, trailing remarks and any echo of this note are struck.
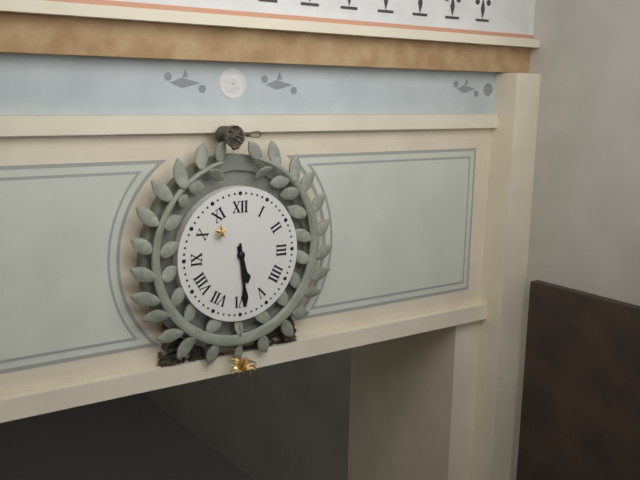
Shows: 5:29
